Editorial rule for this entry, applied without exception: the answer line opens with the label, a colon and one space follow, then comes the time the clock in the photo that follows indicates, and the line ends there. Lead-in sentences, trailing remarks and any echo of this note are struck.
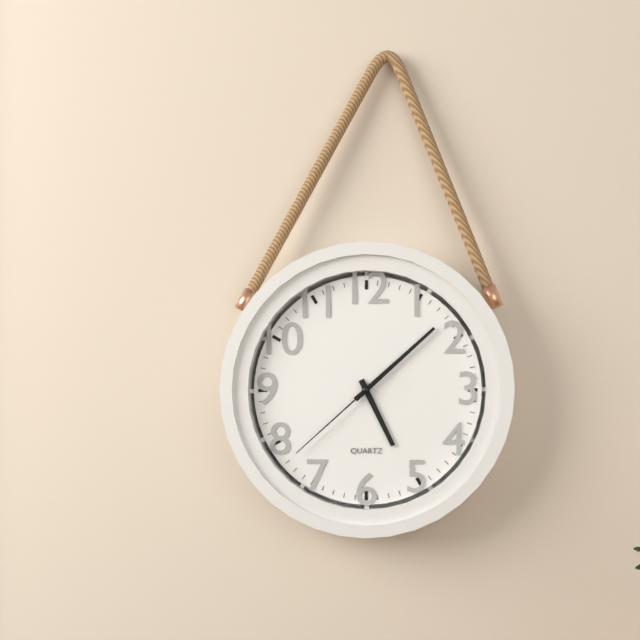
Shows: 5:08:38
